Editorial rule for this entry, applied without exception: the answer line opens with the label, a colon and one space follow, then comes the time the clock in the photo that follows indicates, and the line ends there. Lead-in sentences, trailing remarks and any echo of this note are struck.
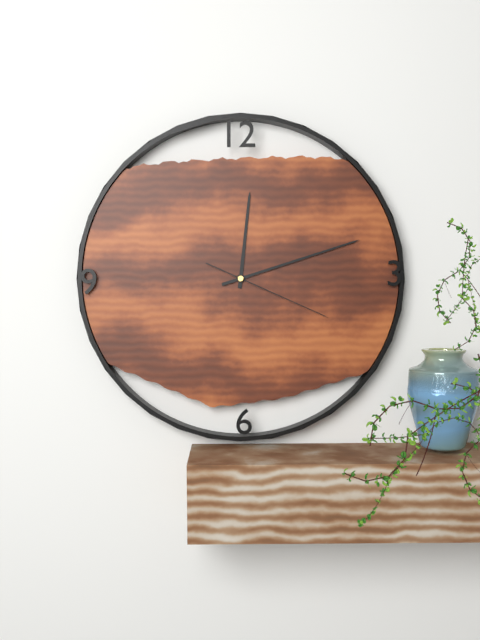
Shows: 12:12:19
